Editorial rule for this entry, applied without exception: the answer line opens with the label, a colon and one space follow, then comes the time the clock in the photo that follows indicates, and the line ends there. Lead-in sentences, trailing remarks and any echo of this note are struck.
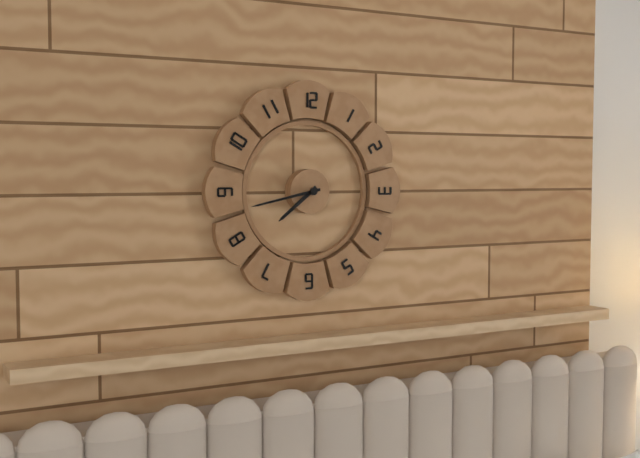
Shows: 7:43
